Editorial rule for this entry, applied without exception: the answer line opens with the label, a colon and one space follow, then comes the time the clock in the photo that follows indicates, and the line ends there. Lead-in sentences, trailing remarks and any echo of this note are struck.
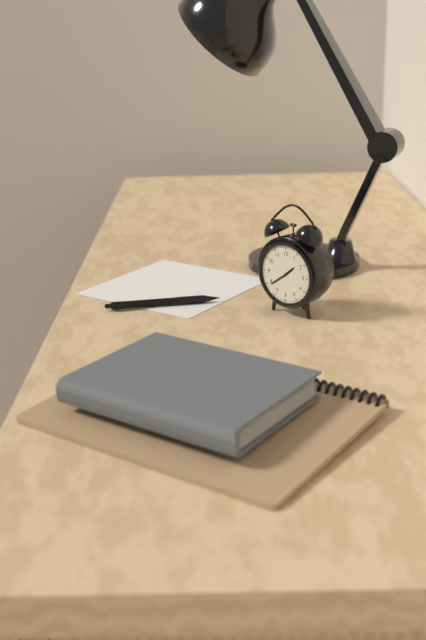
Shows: 1:39
